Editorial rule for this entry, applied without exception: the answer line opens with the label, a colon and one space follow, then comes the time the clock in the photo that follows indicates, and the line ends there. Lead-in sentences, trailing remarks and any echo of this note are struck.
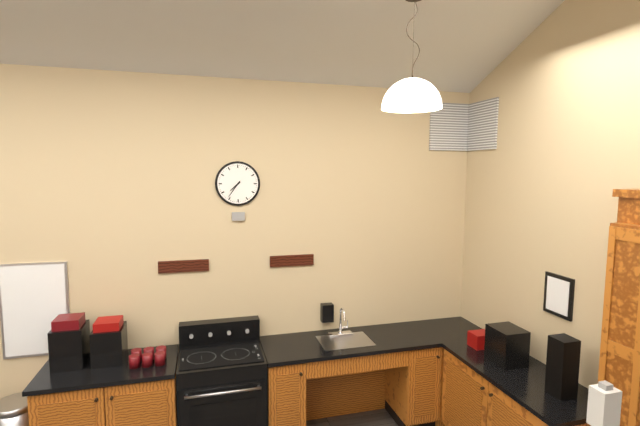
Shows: 7:36
